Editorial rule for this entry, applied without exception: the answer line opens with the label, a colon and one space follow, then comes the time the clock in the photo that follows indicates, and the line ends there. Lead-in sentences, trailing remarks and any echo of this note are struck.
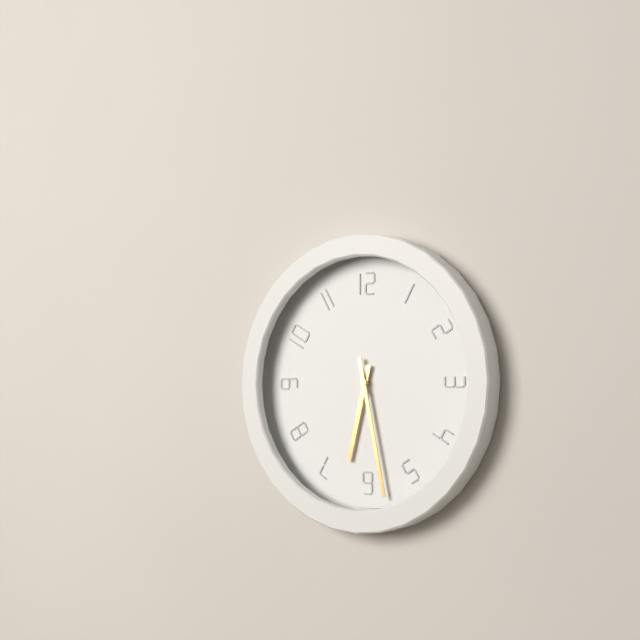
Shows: 6:28
